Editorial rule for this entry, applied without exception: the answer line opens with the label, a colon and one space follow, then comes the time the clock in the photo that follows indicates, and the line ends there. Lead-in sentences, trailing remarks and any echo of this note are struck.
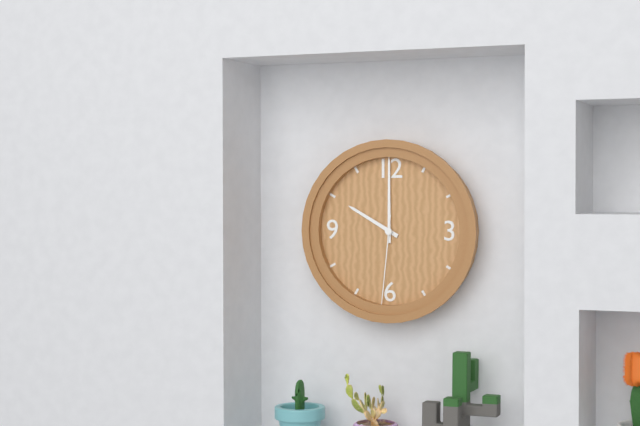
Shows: 10:00:31
